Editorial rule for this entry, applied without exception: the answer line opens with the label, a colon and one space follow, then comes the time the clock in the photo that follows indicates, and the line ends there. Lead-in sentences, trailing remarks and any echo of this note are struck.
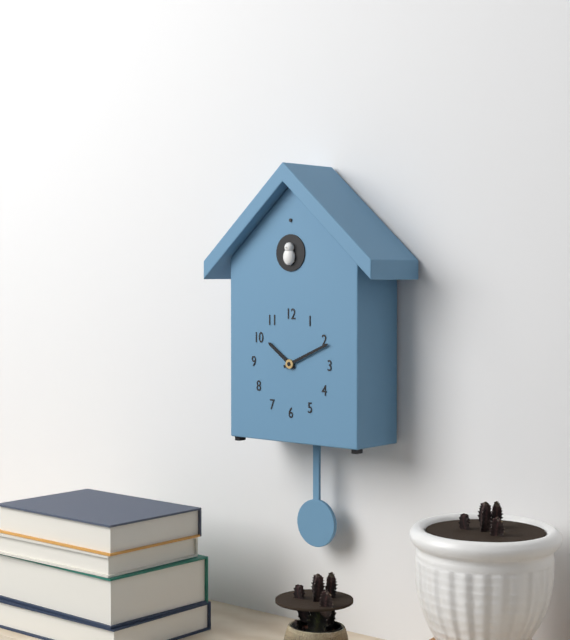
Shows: 10:11
